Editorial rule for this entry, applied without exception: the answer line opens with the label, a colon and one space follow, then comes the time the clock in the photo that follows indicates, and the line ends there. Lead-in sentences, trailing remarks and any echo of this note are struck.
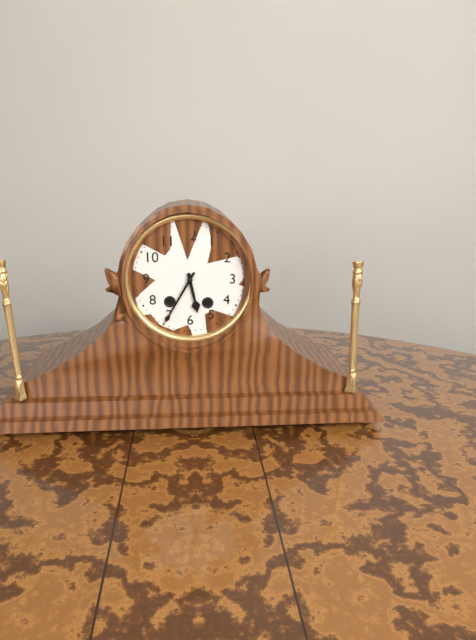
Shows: 5:35
